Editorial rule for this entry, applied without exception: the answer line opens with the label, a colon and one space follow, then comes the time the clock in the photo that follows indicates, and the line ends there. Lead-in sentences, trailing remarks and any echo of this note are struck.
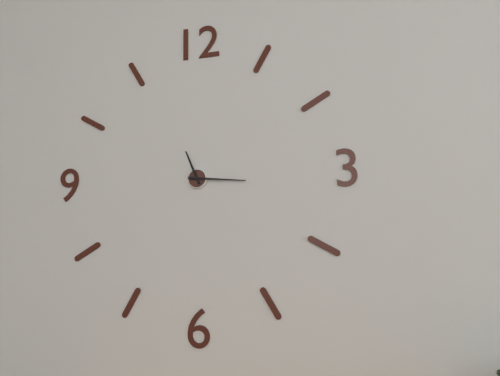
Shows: 11:16
